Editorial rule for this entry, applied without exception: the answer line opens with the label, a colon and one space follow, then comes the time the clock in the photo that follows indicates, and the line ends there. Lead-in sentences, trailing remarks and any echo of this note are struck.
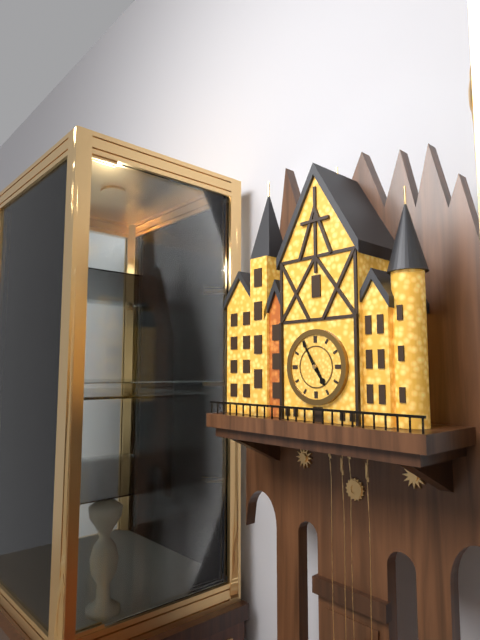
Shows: 4:55
